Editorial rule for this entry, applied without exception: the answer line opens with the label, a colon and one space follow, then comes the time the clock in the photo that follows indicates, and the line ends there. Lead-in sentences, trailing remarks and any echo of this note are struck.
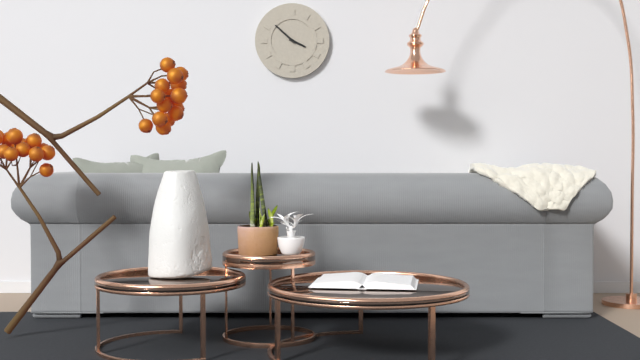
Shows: 3:52
